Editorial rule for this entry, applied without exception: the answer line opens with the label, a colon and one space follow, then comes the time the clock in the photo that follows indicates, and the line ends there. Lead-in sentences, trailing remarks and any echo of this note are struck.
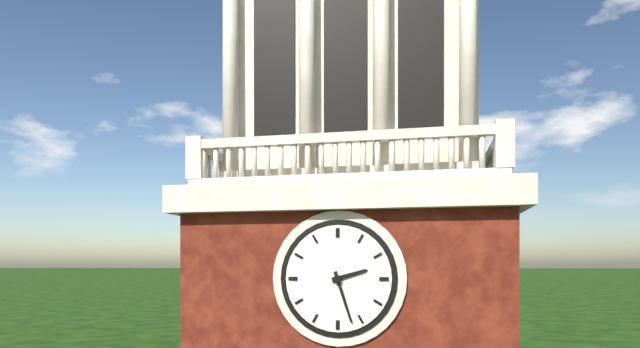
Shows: 2:27
